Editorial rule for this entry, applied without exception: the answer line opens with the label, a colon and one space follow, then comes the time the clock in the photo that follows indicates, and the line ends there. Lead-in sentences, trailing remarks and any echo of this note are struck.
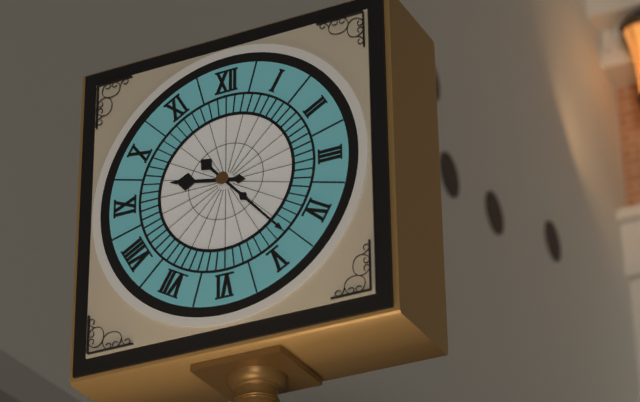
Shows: 9:23
